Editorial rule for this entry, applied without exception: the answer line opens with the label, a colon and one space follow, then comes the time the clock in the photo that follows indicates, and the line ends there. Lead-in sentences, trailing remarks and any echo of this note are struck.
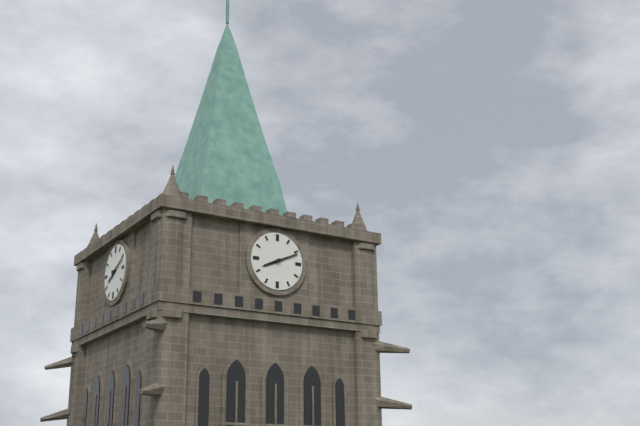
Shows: 8:11
